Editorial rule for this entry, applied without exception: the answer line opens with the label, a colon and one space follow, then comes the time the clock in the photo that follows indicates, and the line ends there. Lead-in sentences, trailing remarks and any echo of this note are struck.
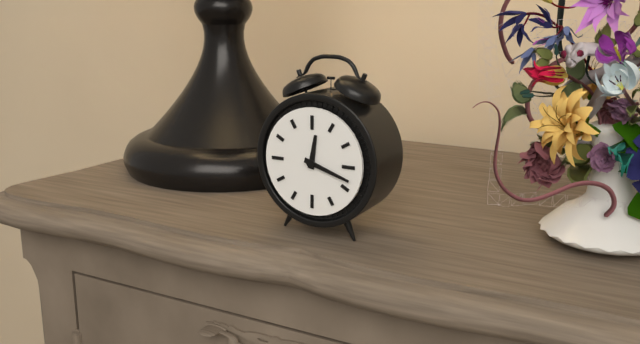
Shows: 12:18
